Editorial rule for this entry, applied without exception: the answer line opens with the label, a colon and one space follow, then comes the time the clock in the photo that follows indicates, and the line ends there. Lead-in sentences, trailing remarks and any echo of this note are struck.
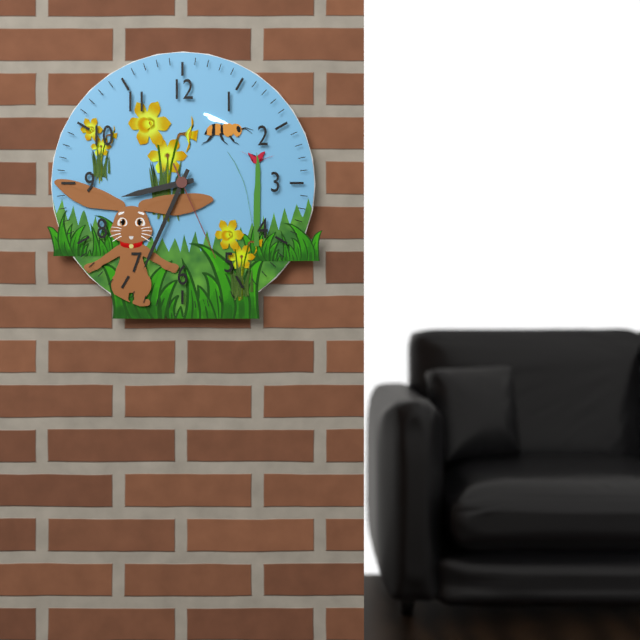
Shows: 8:34:26
